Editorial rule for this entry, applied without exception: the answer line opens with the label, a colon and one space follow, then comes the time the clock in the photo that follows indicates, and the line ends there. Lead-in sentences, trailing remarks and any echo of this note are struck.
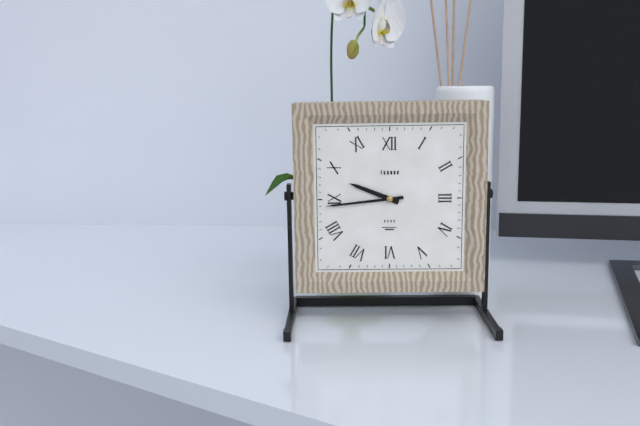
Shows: 9:44
